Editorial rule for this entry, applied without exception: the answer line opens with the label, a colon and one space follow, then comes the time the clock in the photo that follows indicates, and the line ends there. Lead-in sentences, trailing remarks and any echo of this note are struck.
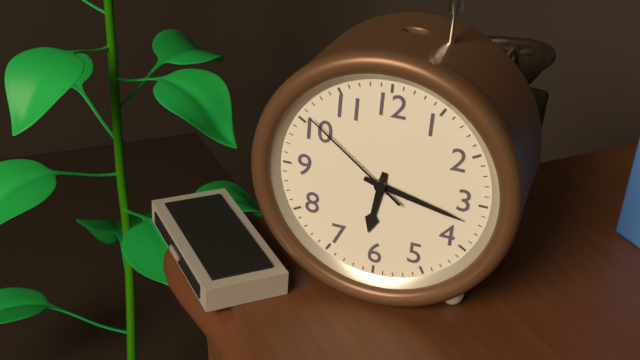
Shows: 6:17:51
